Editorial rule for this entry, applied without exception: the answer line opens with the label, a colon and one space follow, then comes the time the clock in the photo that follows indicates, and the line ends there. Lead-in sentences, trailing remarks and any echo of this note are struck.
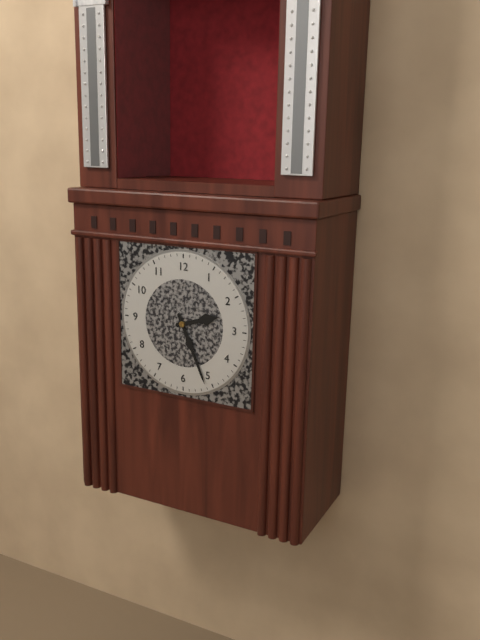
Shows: 2:26
